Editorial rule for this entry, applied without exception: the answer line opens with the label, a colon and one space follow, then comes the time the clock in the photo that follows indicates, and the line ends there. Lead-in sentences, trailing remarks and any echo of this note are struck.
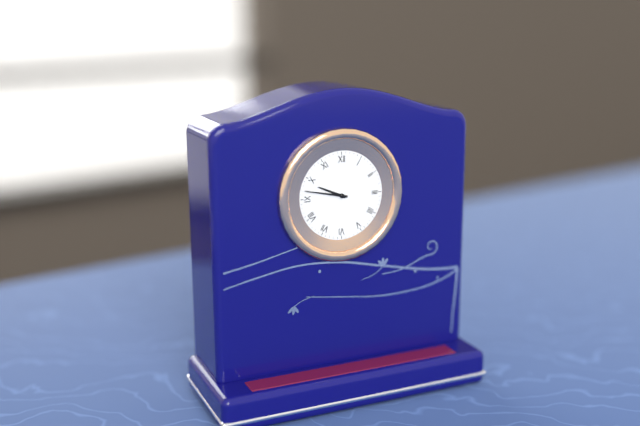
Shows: 9:47
